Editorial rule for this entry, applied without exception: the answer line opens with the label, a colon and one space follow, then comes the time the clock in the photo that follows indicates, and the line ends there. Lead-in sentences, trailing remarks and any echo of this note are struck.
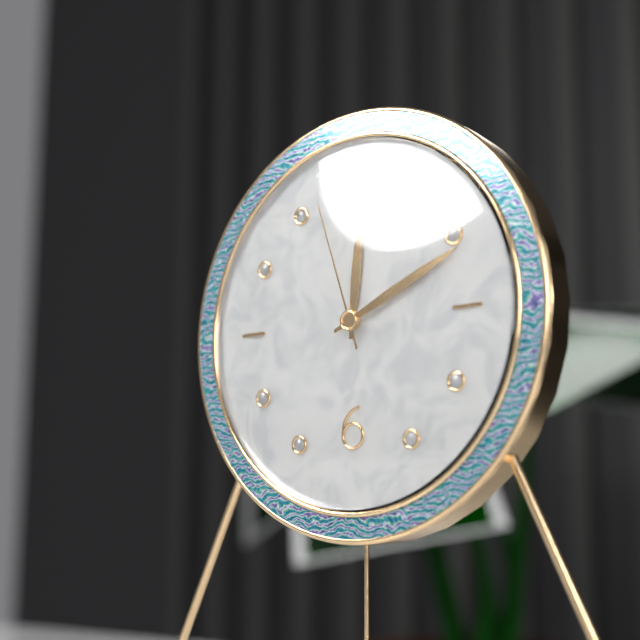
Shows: 12:11:57
